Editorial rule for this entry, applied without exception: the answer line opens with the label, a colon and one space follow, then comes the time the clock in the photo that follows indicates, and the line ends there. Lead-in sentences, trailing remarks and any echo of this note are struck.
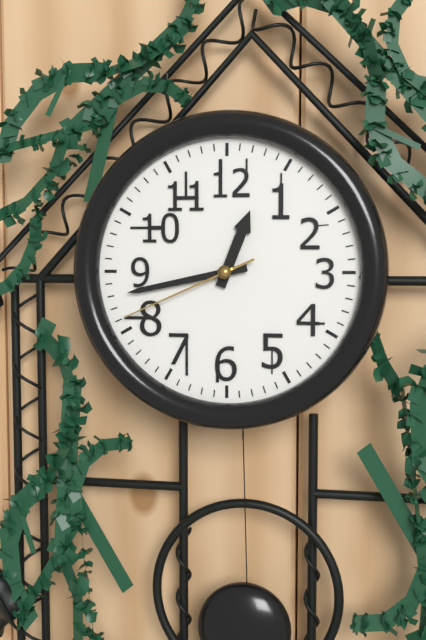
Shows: 12:43:41
